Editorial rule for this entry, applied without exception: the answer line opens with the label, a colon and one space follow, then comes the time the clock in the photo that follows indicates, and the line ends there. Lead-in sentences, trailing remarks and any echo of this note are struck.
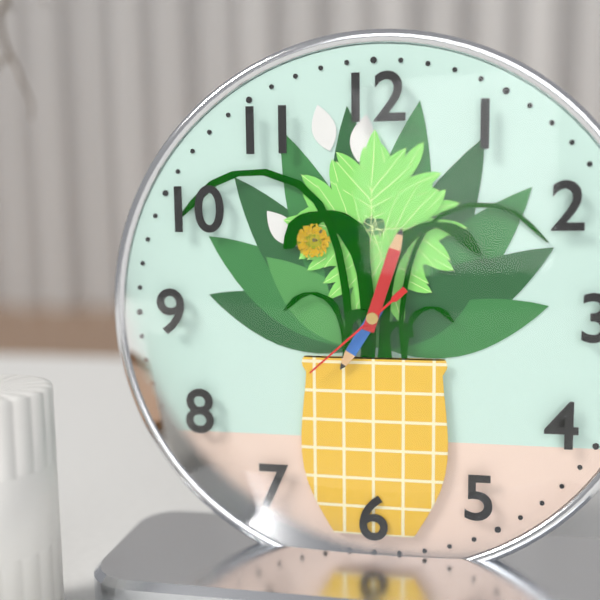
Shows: 7:03:38
